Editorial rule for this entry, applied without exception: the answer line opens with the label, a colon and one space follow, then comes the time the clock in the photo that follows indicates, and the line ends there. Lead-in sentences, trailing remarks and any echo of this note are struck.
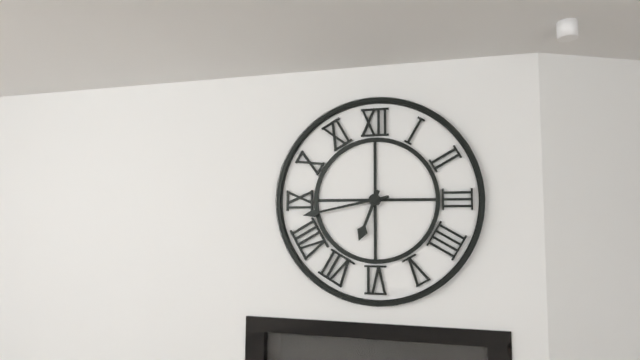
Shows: 6:43
